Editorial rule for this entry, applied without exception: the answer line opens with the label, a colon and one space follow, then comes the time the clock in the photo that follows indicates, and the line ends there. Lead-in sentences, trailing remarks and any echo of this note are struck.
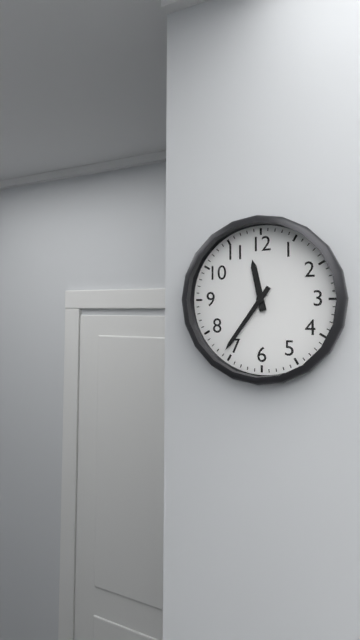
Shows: 11:36
